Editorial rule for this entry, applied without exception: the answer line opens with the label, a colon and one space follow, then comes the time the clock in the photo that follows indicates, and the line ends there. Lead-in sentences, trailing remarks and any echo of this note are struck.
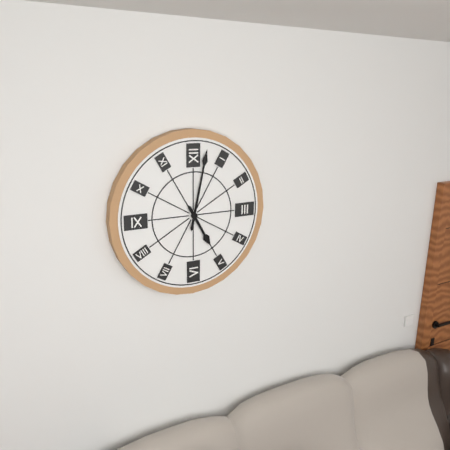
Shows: 5:02
